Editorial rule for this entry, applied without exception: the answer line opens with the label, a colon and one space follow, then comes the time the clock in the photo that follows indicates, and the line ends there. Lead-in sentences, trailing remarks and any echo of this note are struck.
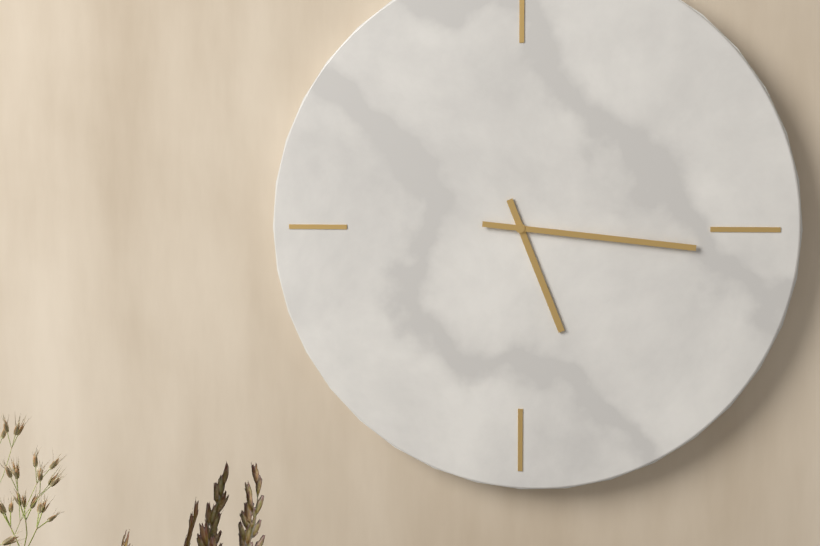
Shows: 5:16
